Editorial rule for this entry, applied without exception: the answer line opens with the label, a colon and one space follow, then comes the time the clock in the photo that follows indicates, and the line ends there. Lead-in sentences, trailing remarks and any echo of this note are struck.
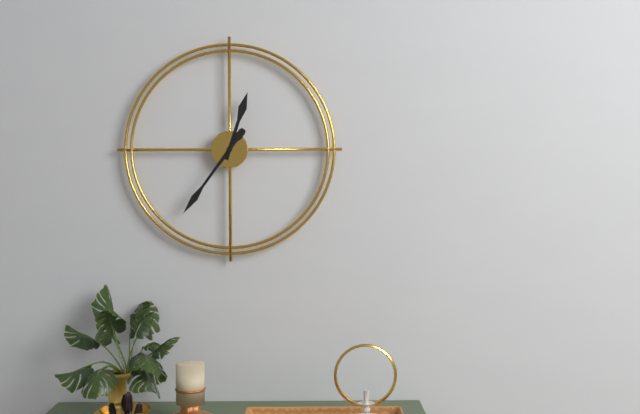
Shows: 12:36
